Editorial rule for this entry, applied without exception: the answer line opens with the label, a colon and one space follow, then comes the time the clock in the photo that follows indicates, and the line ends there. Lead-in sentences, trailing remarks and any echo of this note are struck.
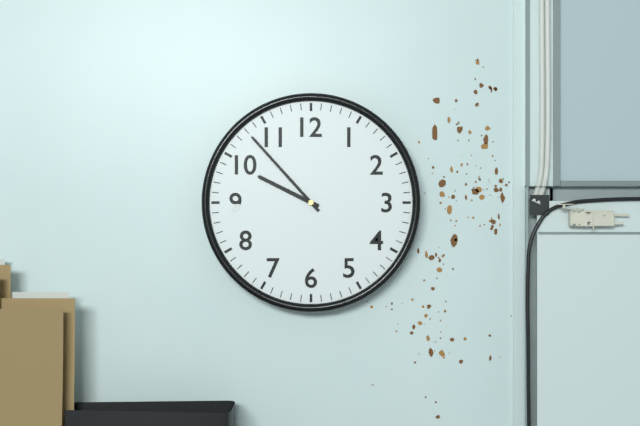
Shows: 9:53
